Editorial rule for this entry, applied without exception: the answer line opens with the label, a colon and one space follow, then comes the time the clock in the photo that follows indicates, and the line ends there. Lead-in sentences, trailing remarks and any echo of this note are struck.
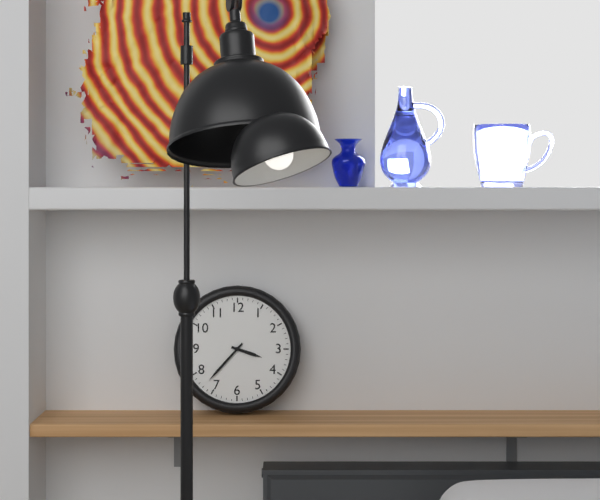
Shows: 3:37
